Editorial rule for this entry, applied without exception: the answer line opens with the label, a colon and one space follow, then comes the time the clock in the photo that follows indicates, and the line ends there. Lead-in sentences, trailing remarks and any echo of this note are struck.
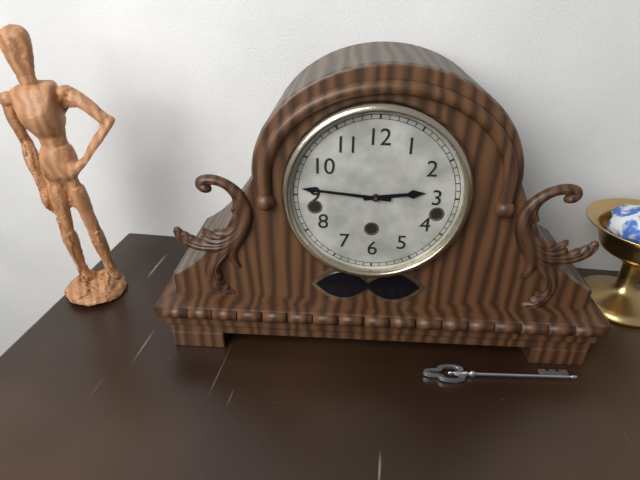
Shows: 2:46
